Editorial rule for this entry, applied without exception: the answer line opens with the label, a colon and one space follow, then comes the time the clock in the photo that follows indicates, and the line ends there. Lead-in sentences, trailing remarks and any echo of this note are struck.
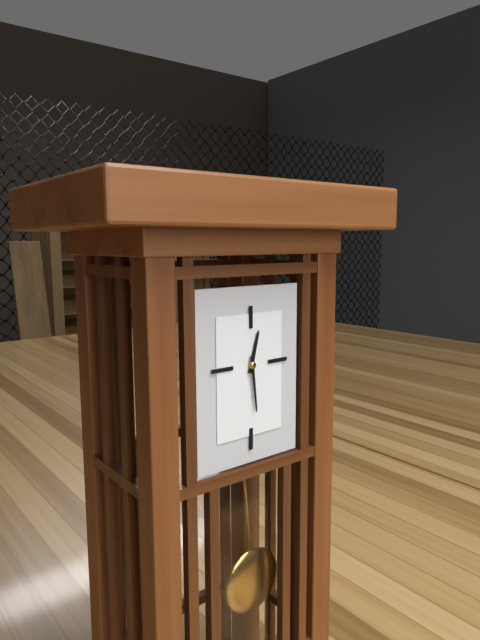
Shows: 12:29
